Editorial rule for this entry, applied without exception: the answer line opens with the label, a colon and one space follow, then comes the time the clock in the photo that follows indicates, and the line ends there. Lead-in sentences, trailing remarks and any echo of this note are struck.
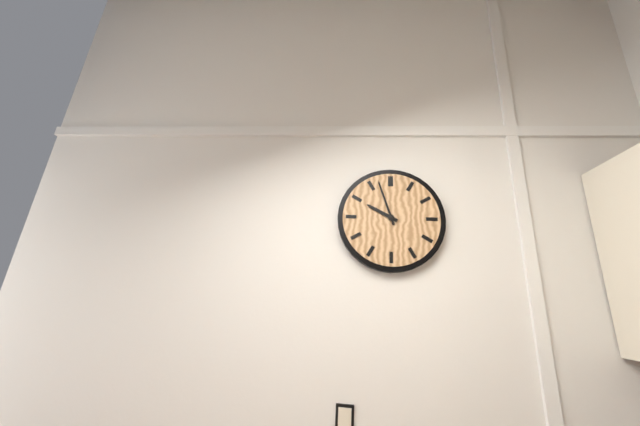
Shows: 9:57
